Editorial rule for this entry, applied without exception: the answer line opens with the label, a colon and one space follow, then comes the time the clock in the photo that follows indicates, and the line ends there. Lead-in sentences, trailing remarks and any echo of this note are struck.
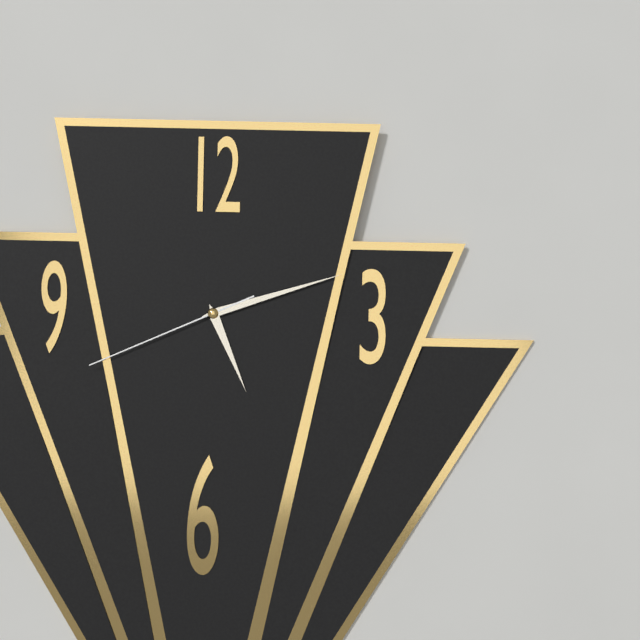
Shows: 5:12:41
